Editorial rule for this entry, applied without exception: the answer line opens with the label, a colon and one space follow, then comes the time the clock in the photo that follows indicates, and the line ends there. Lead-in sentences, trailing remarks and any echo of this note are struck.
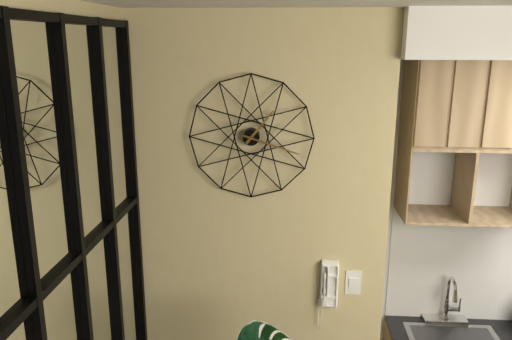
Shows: 1:18
